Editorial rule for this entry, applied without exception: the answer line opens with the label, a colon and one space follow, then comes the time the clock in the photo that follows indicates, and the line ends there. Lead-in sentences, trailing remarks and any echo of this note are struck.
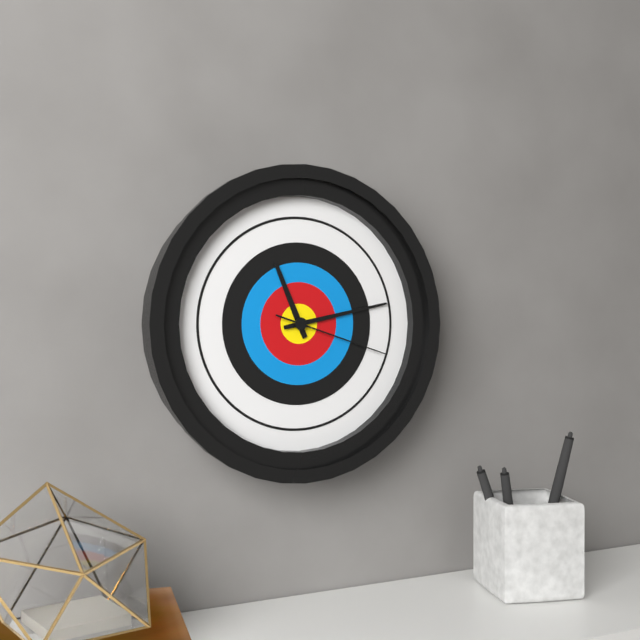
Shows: 11:13:18
